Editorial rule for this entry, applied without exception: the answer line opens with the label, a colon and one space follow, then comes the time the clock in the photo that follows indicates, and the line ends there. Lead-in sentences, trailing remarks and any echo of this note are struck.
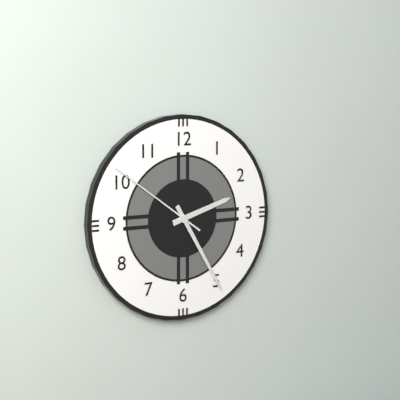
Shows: 2:25:51
